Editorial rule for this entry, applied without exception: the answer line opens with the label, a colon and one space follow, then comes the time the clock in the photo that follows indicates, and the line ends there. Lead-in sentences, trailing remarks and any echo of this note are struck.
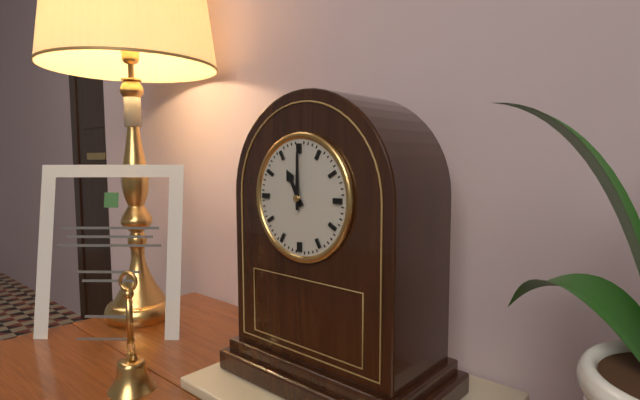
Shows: 11:00
